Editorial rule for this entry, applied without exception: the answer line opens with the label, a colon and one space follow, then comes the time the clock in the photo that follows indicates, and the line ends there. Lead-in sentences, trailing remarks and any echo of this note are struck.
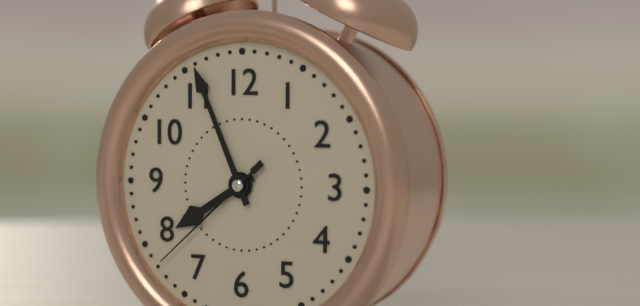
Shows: 7:56:38
